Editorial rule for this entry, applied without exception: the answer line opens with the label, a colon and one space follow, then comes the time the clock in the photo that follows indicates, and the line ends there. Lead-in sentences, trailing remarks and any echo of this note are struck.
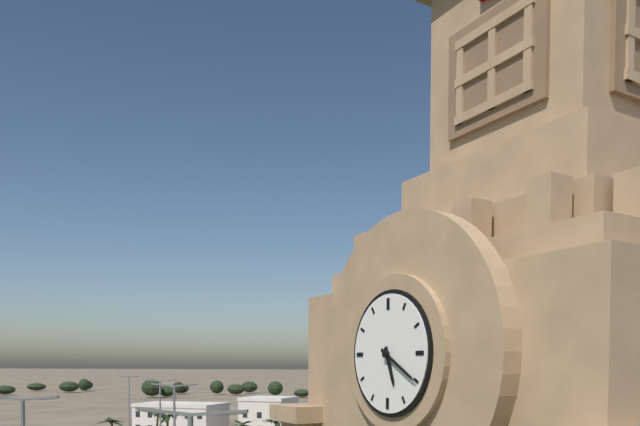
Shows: 5:20
